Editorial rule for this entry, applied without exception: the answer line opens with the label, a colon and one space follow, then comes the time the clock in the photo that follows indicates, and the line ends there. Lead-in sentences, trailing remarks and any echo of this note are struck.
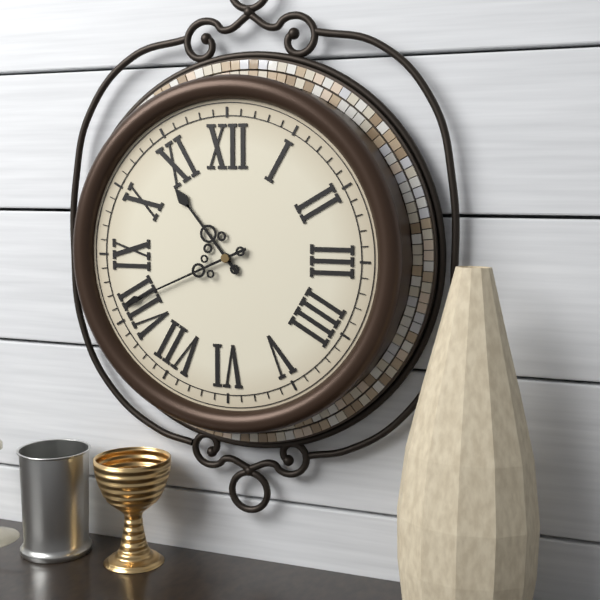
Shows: 10:41
